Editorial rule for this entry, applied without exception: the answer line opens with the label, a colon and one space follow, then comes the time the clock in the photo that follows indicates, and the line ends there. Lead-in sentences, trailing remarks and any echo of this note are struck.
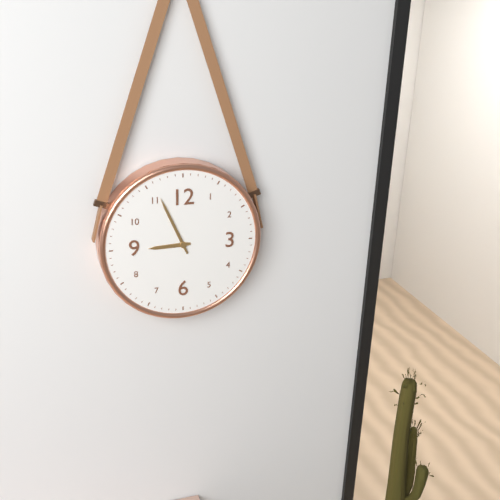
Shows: 8:56
